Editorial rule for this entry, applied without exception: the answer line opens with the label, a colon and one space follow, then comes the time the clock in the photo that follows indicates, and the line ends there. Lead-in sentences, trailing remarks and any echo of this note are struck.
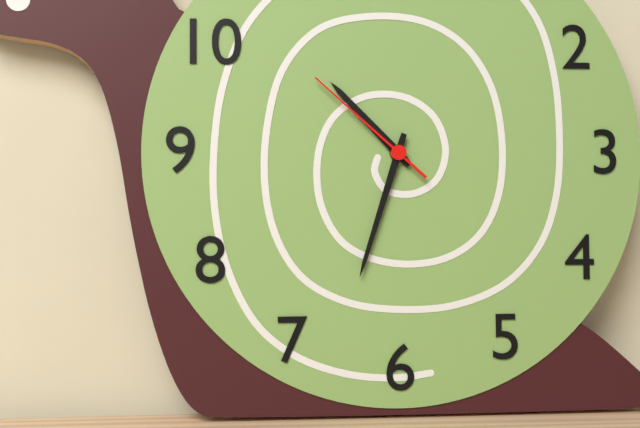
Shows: 10:33:52
